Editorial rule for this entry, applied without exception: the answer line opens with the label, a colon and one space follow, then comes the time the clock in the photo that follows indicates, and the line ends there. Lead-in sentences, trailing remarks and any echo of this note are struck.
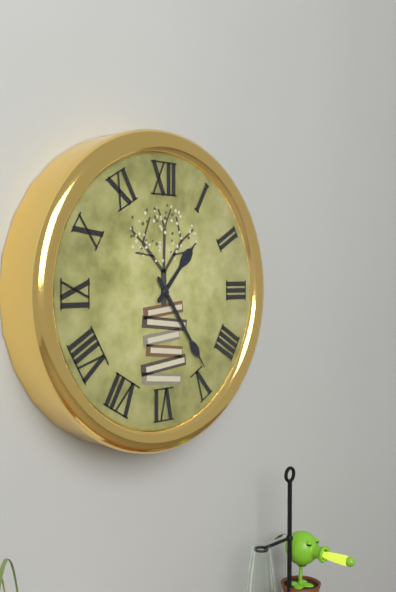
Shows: 1:24
